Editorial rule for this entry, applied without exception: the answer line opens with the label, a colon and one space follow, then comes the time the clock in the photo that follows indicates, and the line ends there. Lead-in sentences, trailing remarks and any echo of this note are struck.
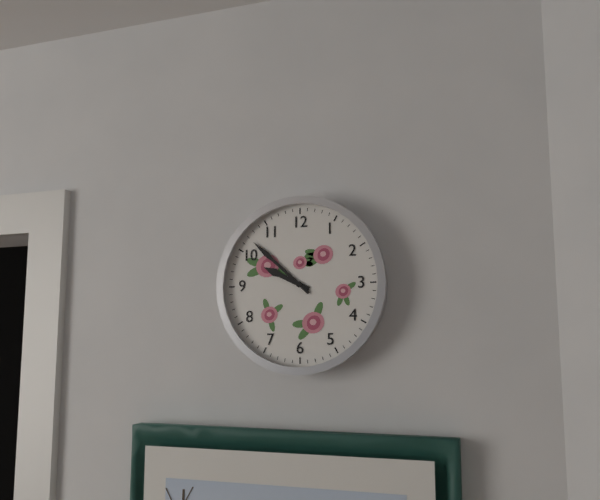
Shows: 9:52
